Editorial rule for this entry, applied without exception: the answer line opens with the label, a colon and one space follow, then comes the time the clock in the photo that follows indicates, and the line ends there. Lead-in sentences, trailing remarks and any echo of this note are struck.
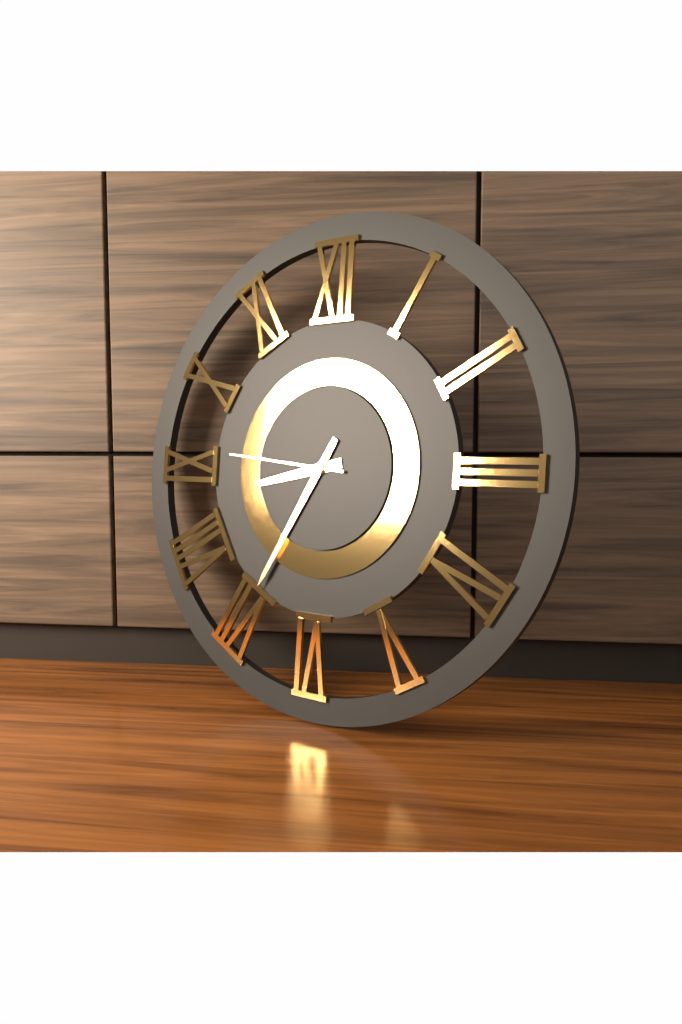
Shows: 8:35:46
